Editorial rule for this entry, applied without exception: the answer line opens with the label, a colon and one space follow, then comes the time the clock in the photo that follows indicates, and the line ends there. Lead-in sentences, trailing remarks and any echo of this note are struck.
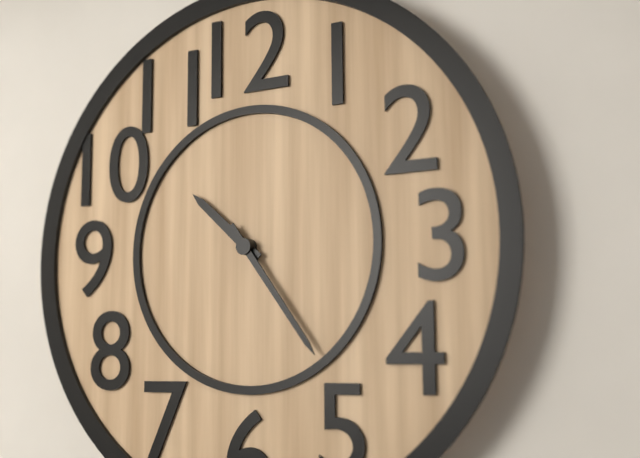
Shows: 10:24
